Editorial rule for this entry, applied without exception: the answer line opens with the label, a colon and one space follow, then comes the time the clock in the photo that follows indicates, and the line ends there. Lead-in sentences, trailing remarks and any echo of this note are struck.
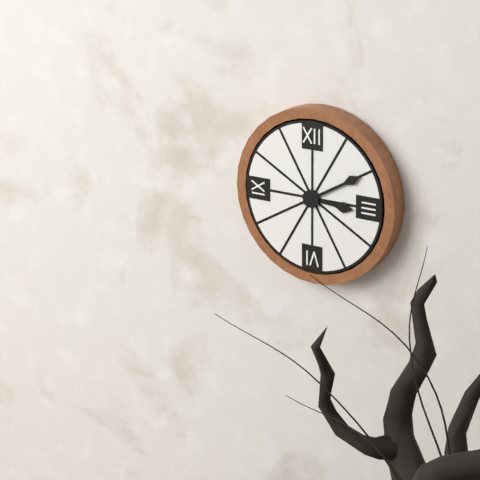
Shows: 3:10
